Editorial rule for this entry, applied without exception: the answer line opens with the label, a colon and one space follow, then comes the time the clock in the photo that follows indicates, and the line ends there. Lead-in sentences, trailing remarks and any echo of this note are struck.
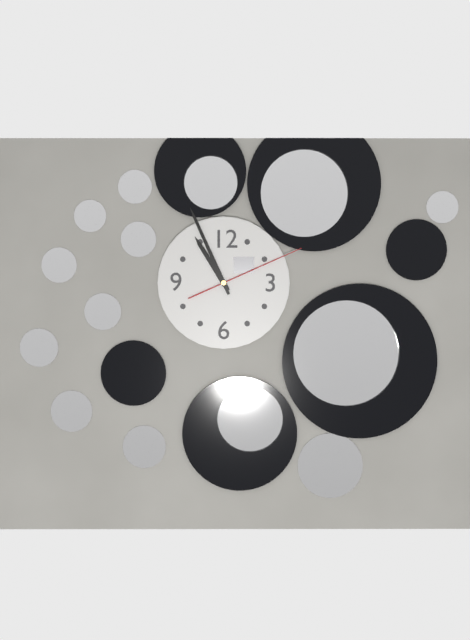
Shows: 10:56:11
